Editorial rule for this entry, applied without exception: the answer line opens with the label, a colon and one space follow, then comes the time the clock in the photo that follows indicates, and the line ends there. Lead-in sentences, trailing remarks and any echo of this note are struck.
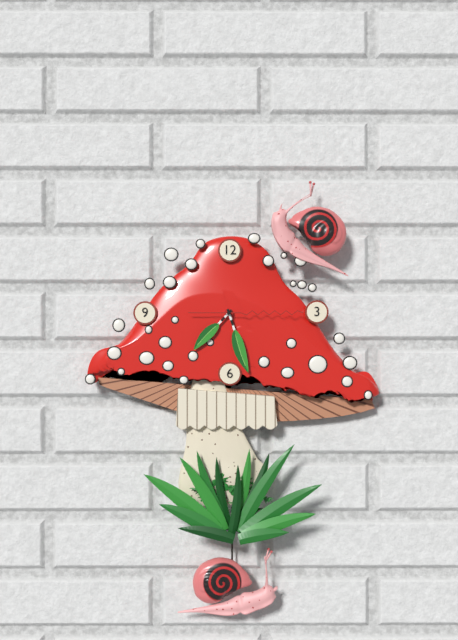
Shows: 7:27:15
